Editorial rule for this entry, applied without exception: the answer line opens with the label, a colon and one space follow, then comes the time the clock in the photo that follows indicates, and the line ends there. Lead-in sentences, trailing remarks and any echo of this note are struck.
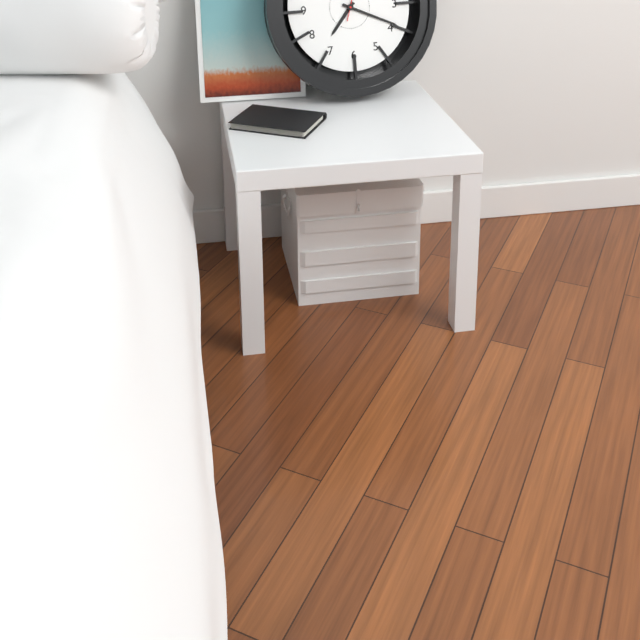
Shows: 7:19
